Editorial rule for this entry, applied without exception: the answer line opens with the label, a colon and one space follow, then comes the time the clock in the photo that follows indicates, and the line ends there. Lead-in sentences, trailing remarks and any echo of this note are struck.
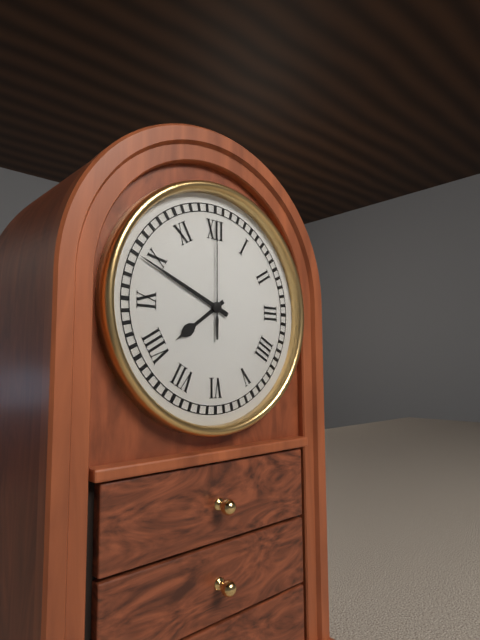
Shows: 7:49:00
